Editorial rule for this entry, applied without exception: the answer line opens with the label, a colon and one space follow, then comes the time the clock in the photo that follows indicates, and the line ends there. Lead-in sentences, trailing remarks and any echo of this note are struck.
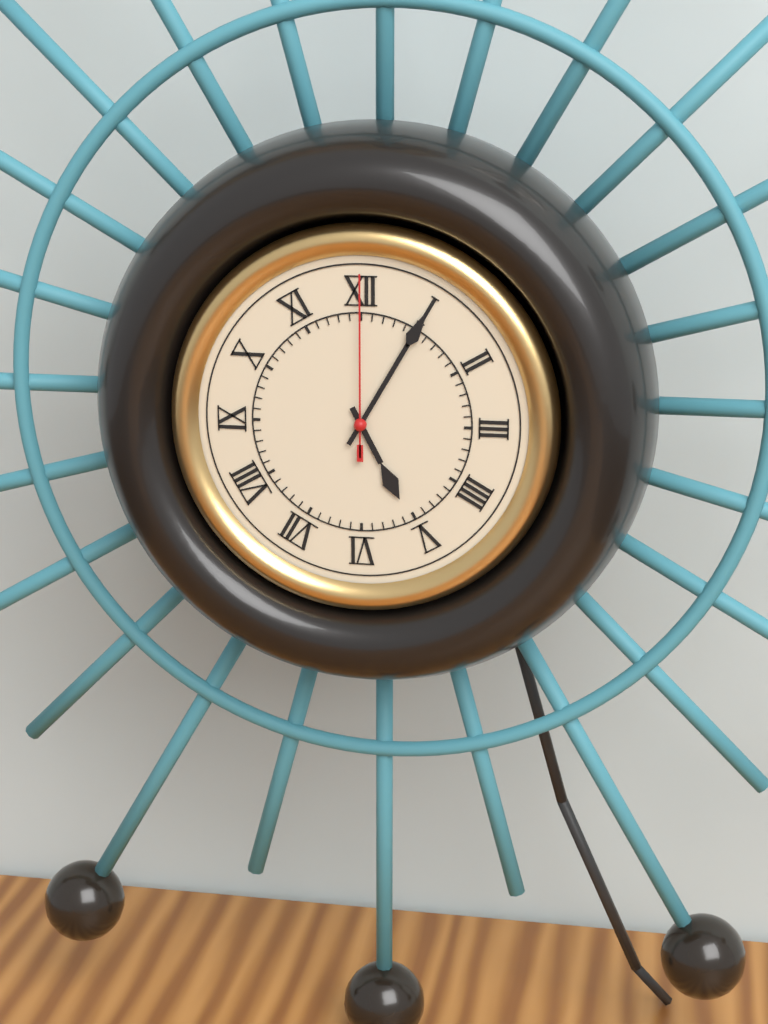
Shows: 5:05:00
